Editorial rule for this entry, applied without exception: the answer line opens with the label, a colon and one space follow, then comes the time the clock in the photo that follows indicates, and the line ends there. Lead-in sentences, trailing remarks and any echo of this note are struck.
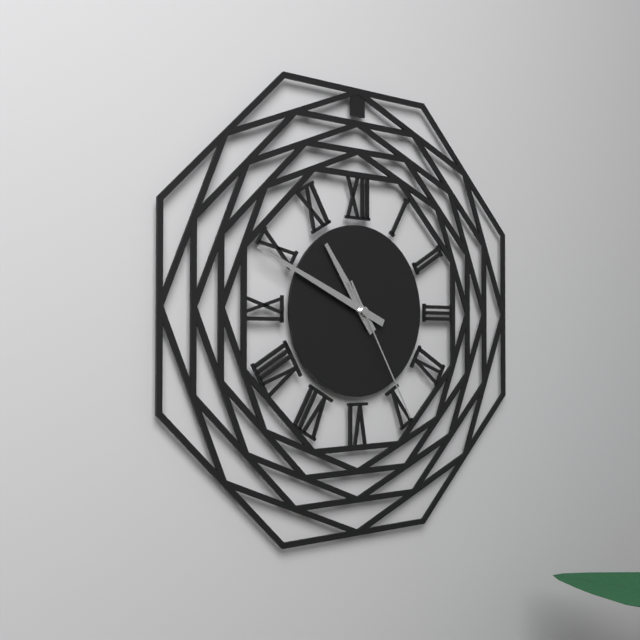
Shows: 10:49:25
